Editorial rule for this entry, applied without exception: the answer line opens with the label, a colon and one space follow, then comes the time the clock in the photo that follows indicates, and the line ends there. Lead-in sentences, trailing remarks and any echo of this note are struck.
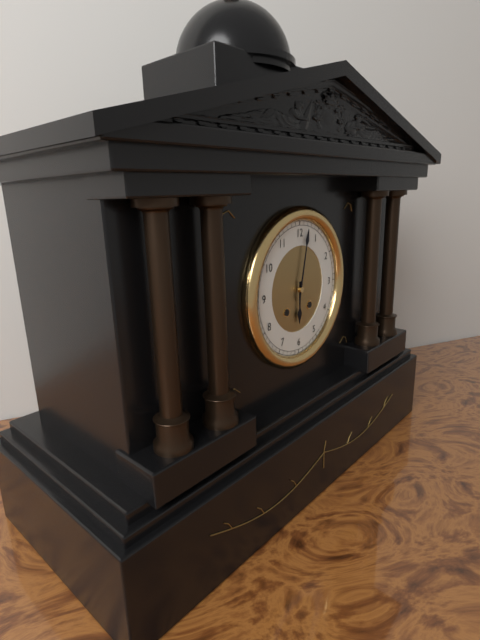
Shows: 6:02
